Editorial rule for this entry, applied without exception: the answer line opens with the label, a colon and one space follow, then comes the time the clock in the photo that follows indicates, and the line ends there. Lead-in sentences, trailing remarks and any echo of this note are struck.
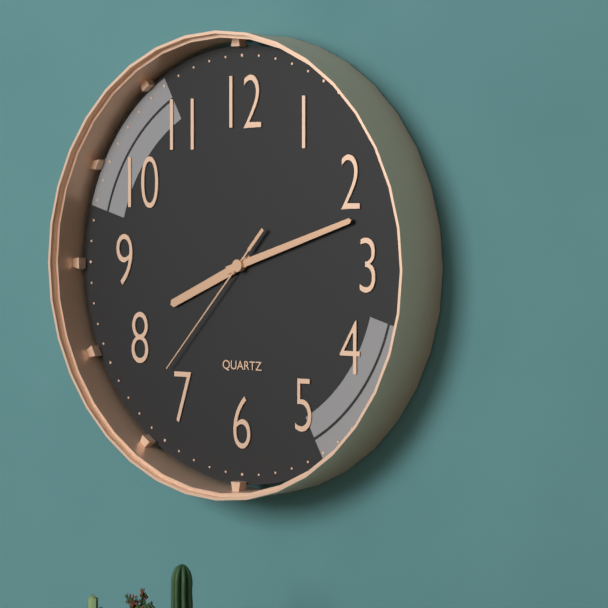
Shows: 8:12:37
